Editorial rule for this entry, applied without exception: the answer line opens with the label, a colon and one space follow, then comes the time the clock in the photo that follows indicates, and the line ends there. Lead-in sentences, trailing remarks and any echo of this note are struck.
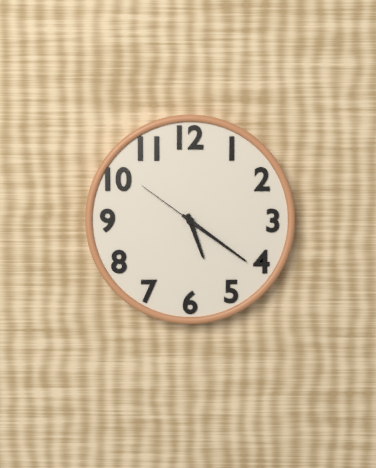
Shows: 5:21:51
